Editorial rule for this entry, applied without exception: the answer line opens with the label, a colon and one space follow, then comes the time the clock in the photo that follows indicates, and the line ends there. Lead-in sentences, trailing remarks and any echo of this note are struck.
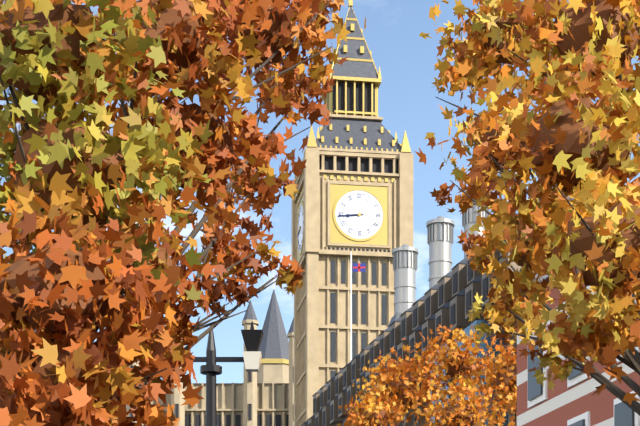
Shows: 8:44
